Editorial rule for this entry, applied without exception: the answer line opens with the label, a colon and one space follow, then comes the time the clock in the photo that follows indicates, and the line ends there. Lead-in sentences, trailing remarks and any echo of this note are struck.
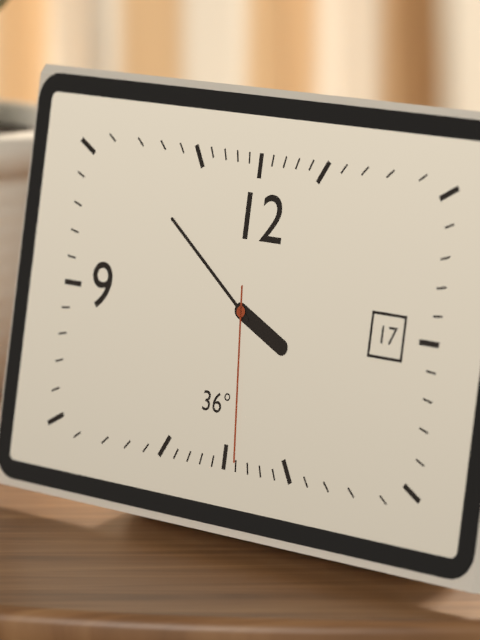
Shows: 3:51:29
